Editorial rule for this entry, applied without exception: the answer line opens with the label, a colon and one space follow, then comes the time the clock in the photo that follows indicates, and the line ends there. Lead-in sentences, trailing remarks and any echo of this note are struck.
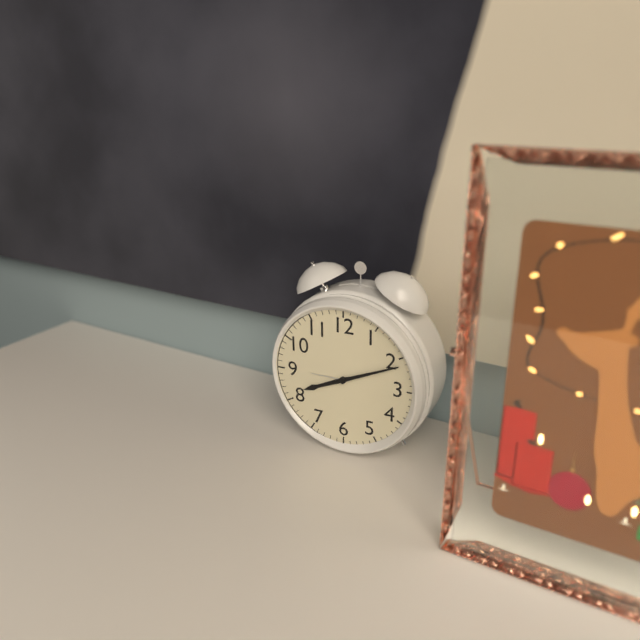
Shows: 8:11
